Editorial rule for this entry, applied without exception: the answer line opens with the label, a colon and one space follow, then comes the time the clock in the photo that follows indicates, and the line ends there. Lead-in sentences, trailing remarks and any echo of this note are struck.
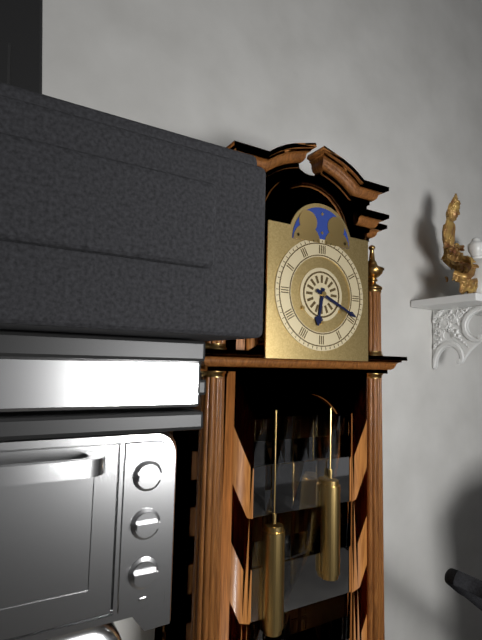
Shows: 6:19
